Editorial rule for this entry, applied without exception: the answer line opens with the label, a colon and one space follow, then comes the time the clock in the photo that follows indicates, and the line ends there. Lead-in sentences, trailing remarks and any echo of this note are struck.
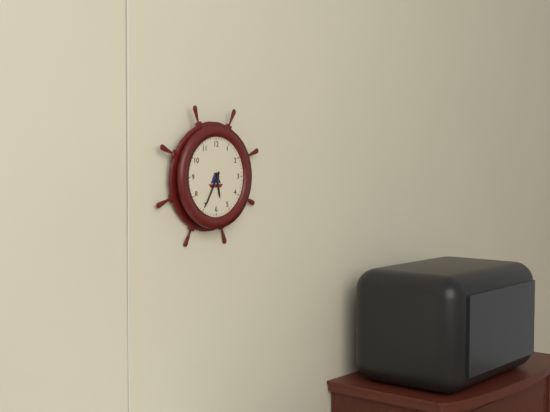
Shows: 5:35
